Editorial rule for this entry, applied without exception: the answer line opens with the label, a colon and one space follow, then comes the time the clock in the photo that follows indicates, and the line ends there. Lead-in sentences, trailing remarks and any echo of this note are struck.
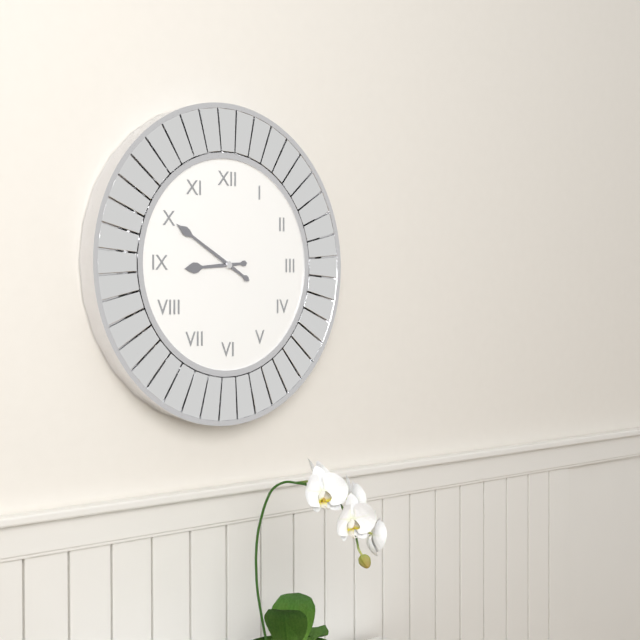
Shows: 8:50
